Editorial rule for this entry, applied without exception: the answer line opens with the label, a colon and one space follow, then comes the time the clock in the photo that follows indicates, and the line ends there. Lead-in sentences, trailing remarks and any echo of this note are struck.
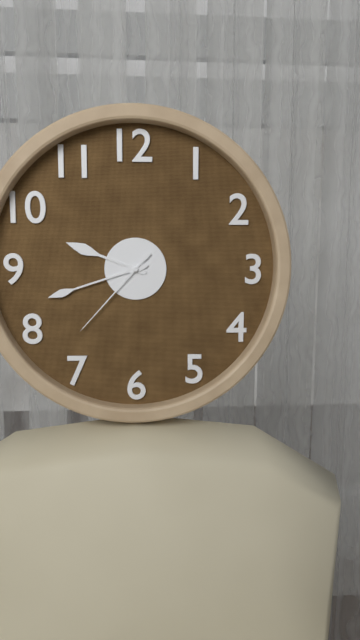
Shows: 9:42:37
